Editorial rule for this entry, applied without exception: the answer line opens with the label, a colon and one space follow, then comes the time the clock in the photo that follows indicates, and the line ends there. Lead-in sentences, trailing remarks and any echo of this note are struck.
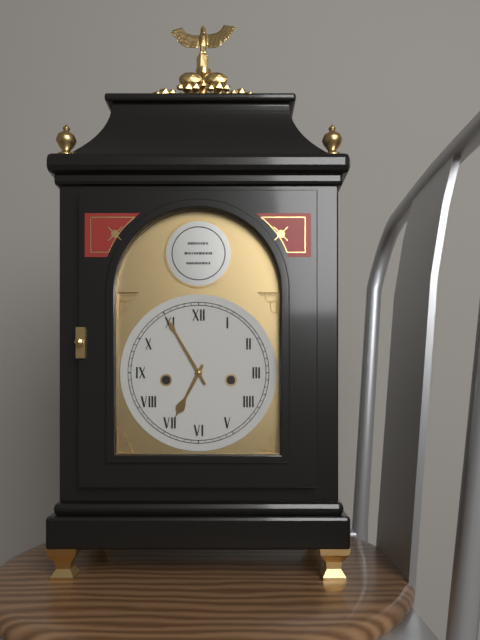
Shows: 6:55
